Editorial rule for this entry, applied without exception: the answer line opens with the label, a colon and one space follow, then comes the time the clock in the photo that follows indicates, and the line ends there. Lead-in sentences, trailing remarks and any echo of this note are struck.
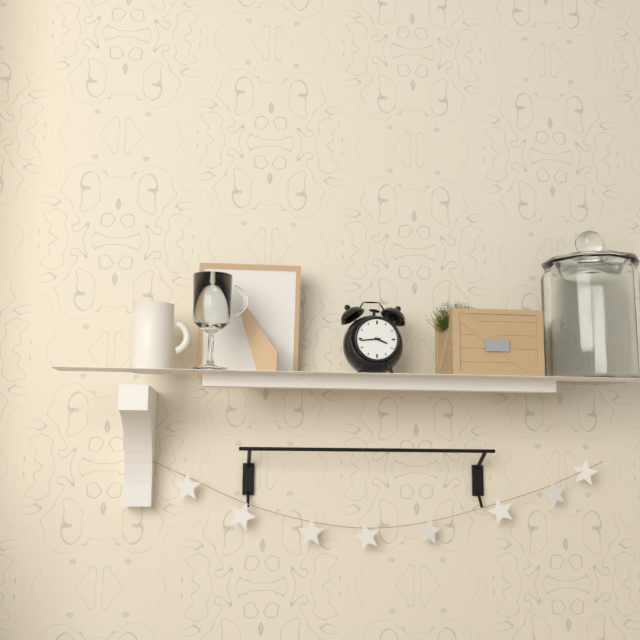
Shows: 3:44
